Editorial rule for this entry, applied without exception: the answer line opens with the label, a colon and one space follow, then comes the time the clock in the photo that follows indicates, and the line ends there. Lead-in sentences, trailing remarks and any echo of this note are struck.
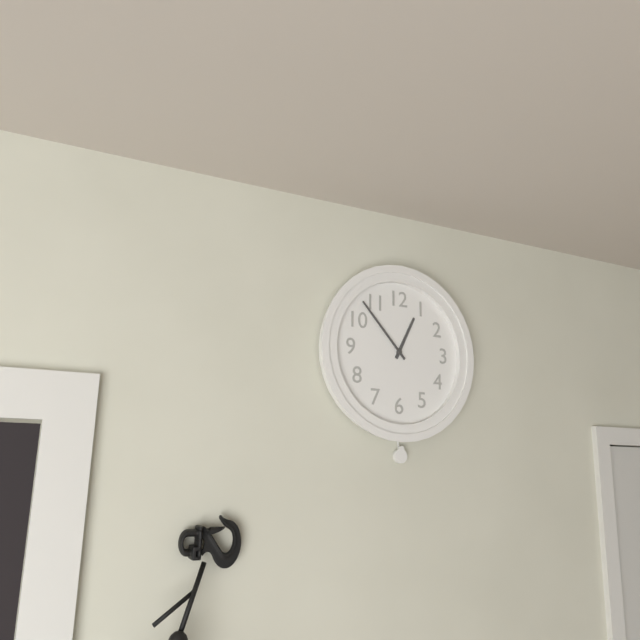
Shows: 12:53
